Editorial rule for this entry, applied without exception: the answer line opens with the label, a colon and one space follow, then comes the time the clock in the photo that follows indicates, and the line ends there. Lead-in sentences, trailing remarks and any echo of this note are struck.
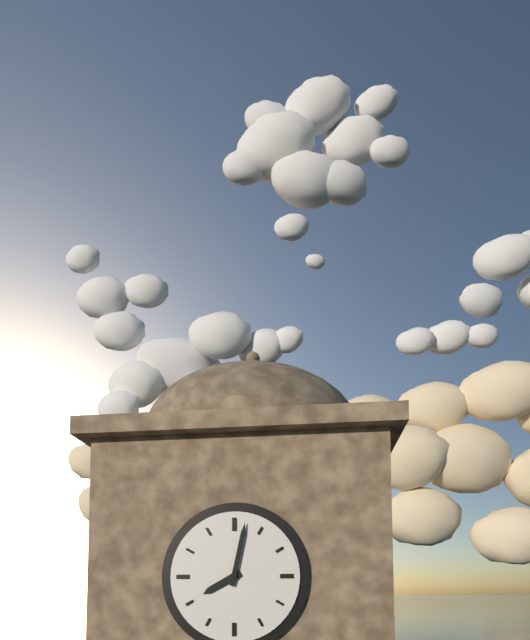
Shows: 8:02
